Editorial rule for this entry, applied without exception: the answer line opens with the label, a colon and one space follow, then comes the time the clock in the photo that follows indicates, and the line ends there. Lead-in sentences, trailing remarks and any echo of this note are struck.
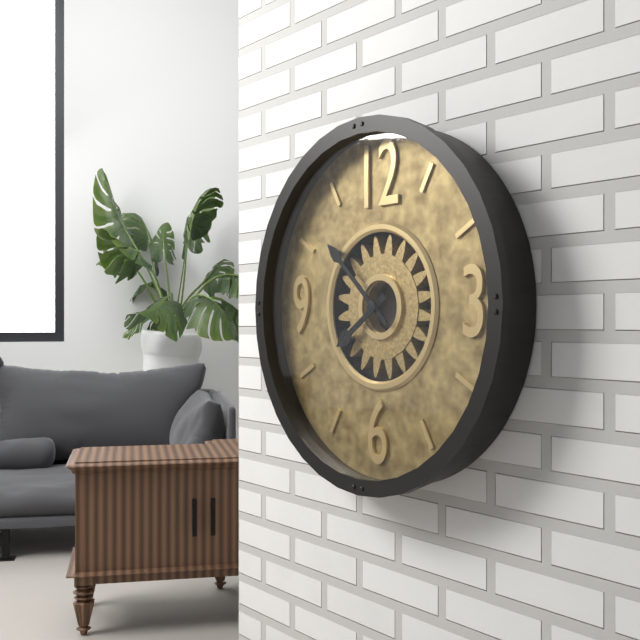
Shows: 7:52
